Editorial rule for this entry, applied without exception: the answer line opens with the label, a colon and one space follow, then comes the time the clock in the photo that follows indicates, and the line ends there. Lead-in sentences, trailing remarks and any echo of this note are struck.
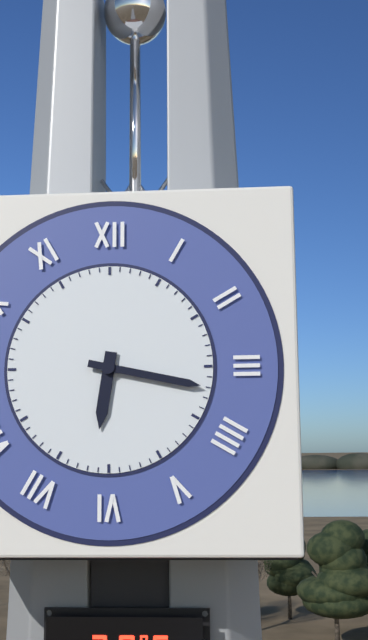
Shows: 6:17
